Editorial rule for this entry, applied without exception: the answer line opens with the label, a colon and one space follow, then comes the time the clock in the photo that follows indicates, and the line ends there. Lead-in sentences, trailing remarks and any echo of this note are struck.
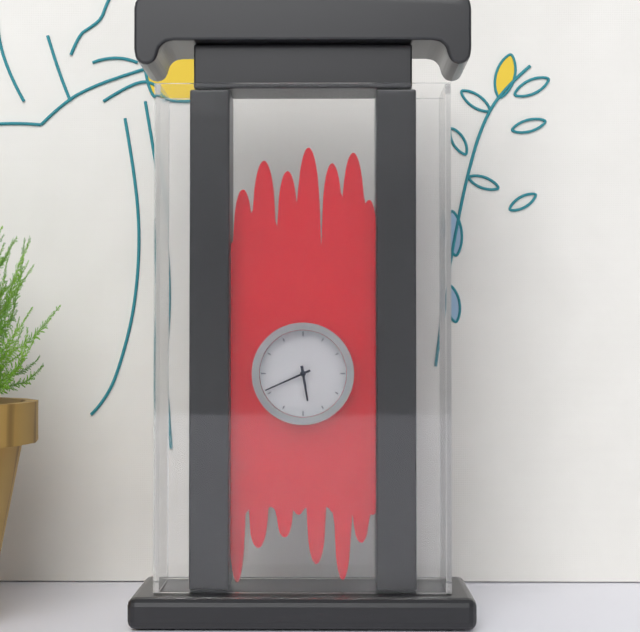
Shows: 5:41
